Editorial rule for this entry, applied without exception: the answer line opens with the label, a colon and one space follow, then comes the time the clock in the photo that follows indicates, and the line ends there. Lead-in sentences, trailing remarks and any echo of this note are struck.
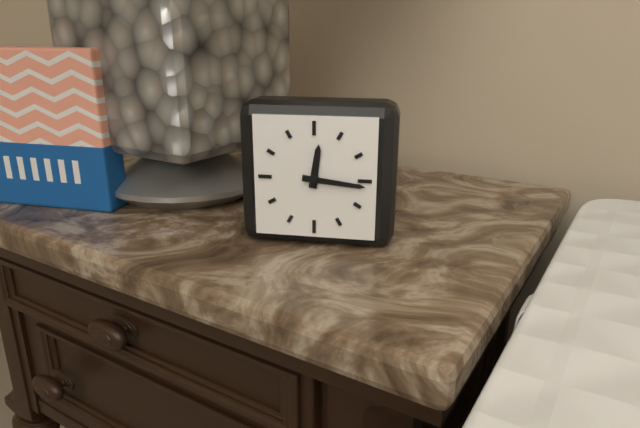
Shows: 12:16
